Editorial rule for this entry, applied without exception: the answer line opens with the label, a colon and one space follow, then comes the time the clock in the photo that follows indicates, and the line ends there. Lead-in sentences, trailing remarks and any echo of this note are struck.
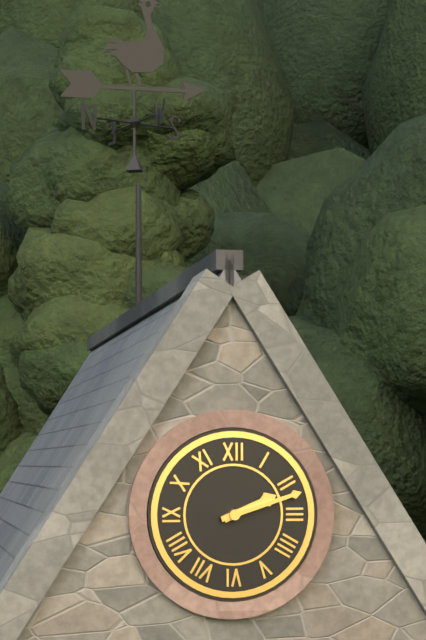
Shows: 2:12
